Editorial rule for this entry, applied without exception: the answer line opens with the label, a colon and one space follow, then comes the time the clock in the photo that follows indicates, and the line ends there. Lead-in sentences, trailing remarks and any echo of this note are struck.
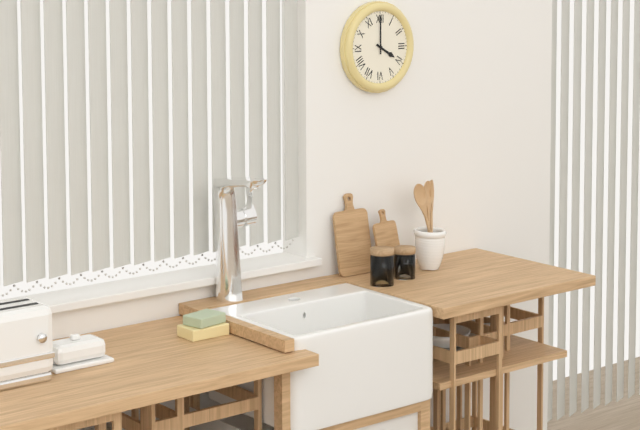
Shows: 4:00
